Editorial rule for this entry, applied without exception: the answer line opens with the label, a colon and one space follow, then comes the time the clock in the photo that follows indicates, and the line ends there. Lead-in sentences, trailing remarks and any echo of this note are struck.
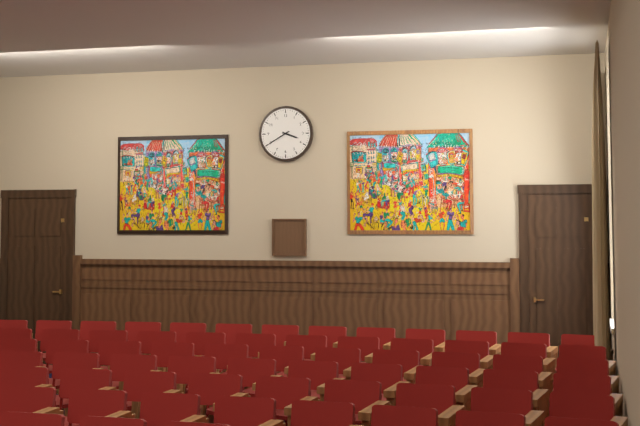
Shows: 3:40
